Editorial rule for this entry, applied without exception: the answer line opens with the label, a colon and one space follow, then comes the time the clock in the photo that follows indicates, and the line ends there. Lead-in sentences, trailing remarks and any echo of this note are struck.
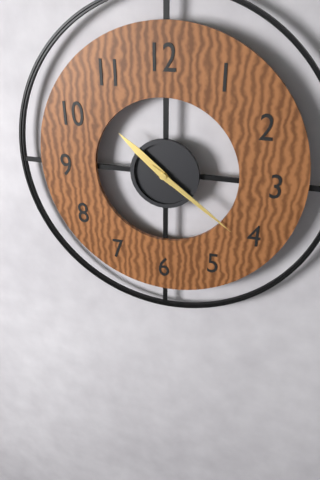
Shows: 10:21
